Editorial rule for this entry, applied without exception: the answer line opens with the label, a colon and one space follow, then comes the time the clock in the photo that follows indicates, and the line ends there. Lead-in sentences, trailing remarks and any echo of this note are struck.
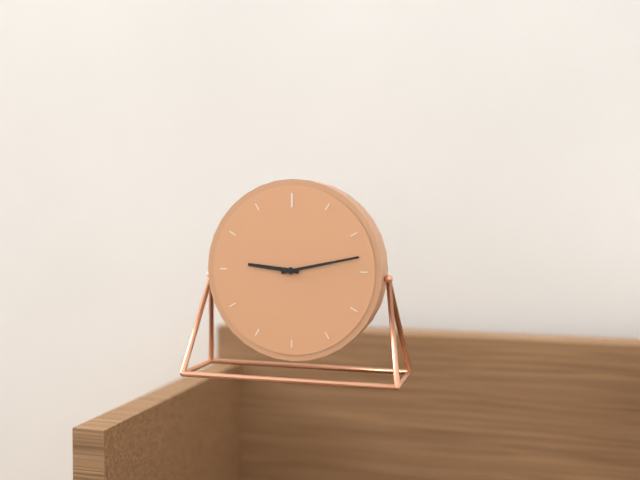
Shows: 9:13
